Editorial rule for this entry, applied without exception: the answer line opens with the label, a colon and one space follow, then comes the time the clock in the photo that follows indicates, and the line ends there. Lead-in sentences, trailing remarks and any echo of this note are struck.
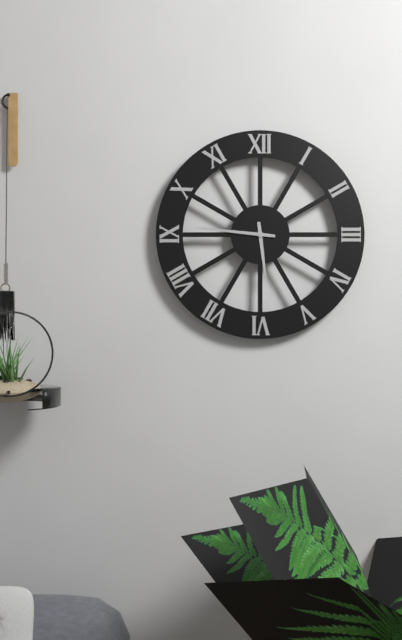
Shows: 5:46
